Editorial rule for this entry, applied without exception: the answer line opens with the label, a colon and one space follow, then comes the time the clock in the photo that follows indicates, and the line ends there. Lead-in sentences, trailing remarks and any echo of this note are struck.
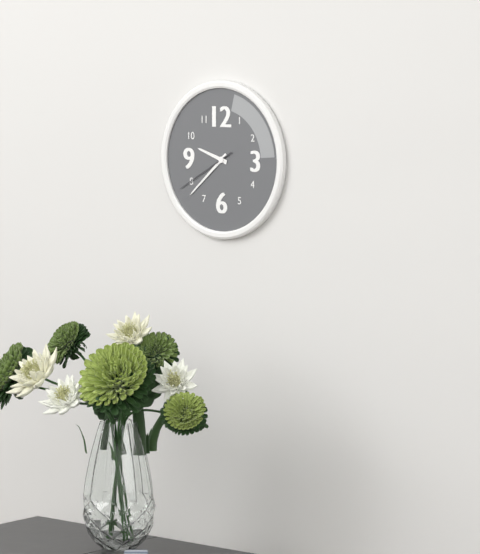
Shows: 9:38:40
